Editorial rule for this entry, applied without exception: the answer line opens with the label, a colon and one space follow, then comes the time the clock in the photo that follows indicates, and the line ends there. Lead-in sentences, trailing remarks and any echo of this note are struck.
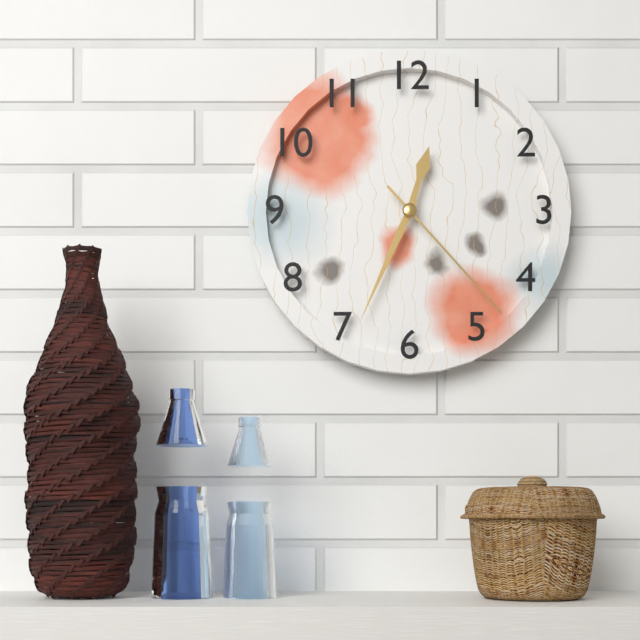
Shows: 12:34:23
